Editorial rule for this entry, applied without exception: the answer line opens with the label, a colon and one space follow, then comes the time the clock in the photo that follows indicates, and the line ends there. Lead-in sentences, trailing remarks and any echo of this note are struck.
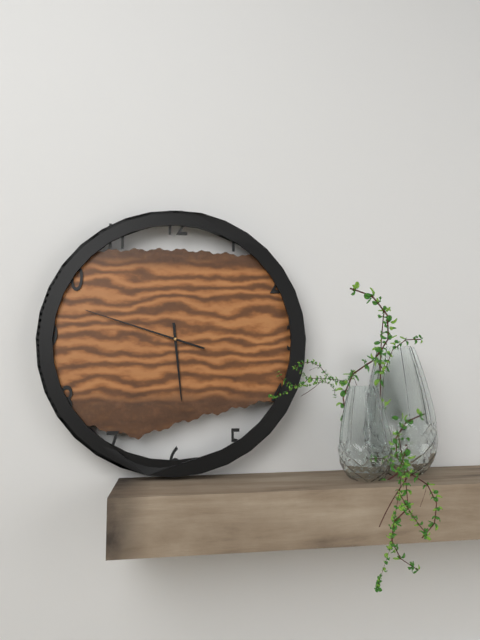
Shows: 5:48
